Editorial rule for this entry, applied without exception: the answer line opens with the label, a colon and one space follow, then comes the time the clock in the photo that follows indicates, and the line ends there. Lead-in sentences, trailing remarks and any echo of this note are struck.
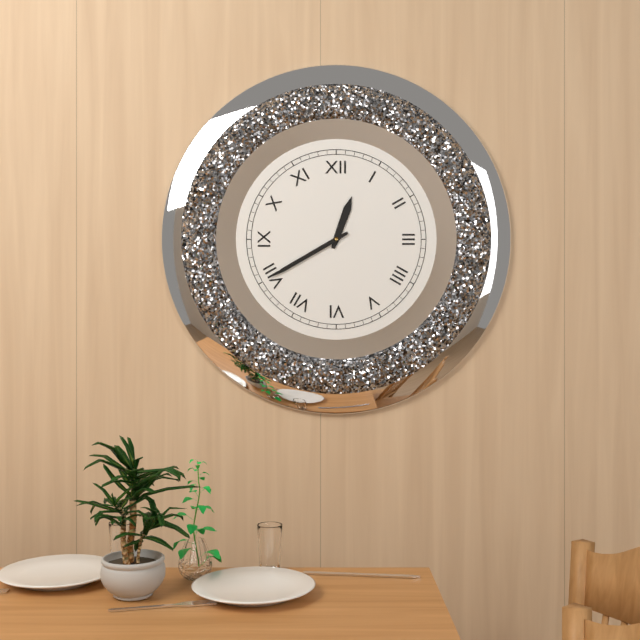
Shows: 12:40
